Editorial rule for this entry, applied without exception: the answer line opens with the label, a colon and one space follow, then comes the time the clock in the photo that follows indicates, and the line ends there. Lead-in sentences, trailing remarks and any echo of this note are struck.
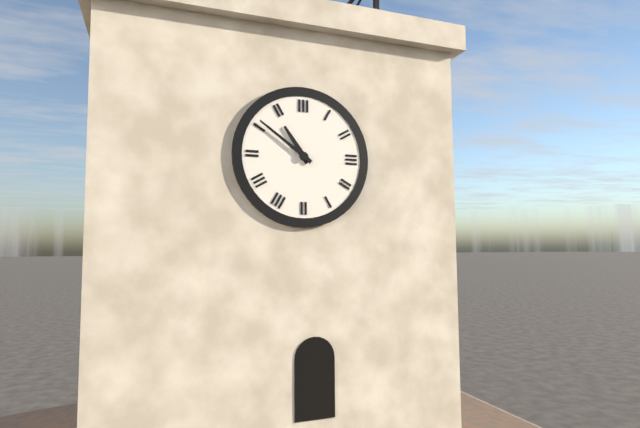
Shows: 10:51
